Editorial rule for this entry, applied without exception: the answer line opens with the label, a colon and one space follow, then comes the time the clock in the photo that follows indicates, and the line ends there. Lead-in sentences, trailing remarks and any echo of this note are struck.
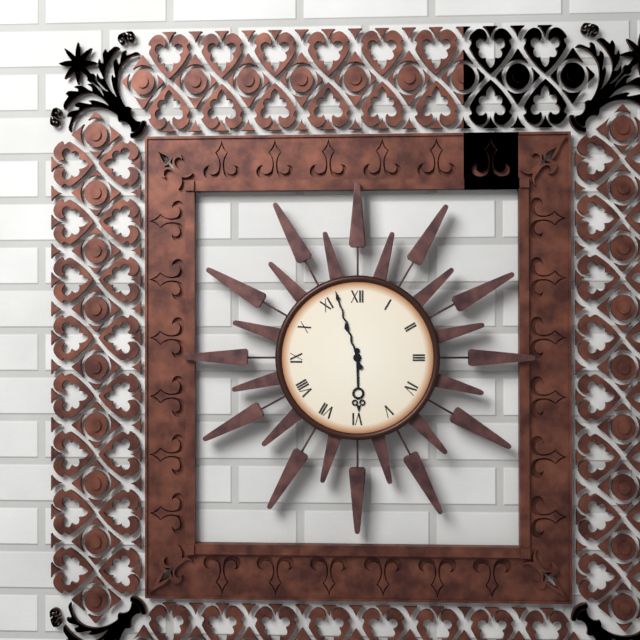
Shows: 5:57
